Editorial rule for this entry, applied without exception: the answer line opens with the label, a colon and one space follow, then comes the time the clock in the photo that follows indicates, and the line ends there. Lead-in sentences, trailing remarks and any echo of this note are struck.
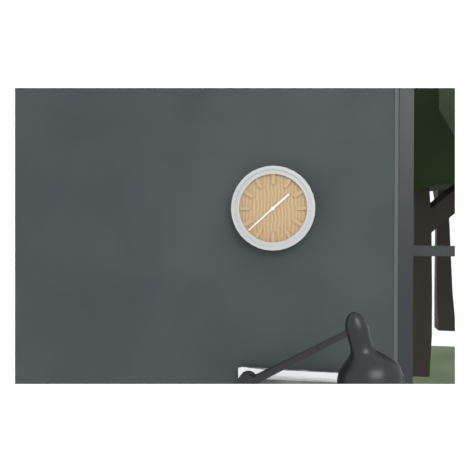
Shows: 1:38
